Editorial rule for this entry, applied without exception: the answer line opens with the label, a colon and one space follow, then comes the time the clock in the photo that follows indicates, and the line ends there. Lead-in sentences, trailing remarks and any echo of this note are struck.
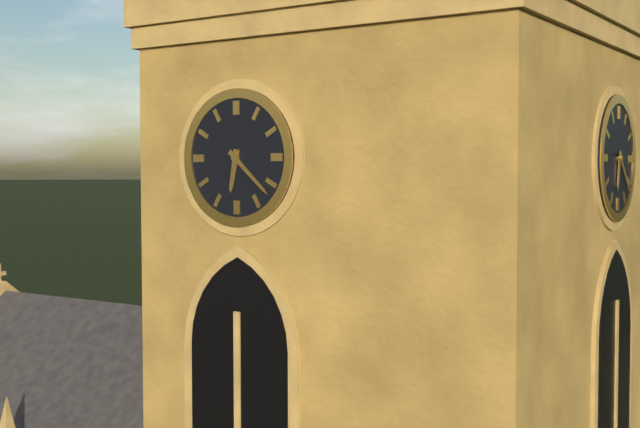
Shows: 6:22
